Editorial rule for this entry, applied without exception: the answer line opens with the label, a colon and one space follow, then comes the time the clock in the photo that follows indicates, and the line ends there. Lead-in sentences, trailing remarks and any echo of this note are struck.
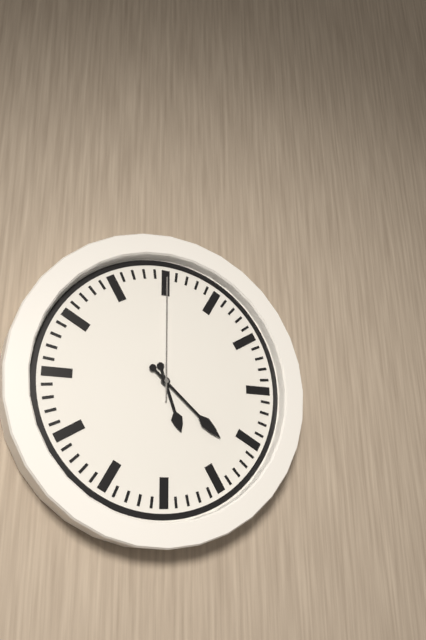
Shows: 5:22:00
